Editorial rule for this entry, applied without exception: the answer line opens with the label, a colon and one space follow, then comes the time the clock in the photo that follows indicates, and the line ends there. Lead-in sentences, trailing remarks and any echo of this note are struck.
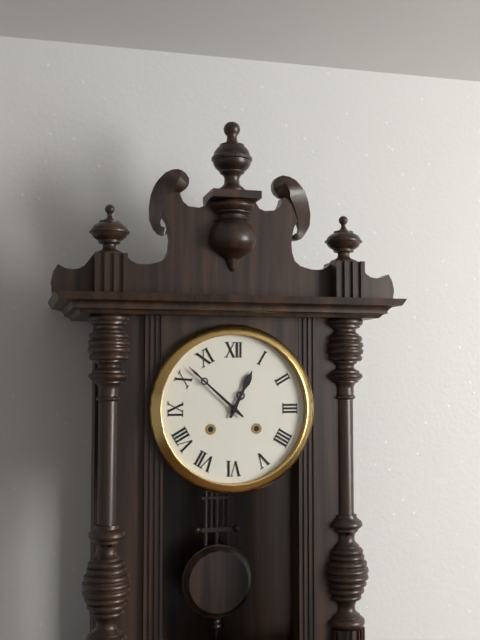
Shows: 12:52
